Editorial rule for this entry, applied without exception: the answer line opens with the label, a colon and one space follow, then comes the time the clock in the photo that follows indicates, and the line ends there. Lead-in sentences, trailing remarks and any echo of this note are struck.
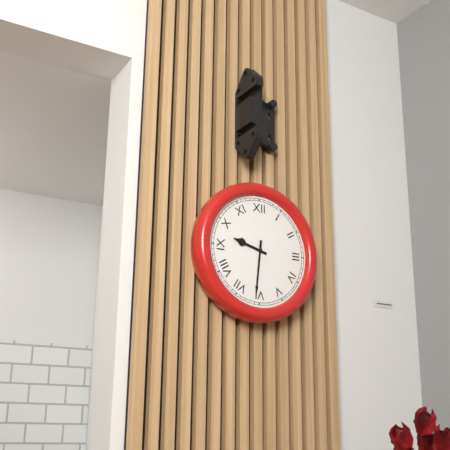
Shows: 9:31
